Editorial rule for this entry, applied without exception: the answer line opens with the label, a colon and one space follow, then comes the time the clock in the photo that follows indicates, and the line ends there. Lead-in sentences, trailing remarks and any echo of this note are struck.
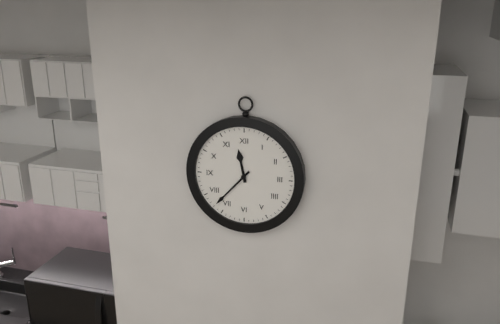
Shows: 11:37
